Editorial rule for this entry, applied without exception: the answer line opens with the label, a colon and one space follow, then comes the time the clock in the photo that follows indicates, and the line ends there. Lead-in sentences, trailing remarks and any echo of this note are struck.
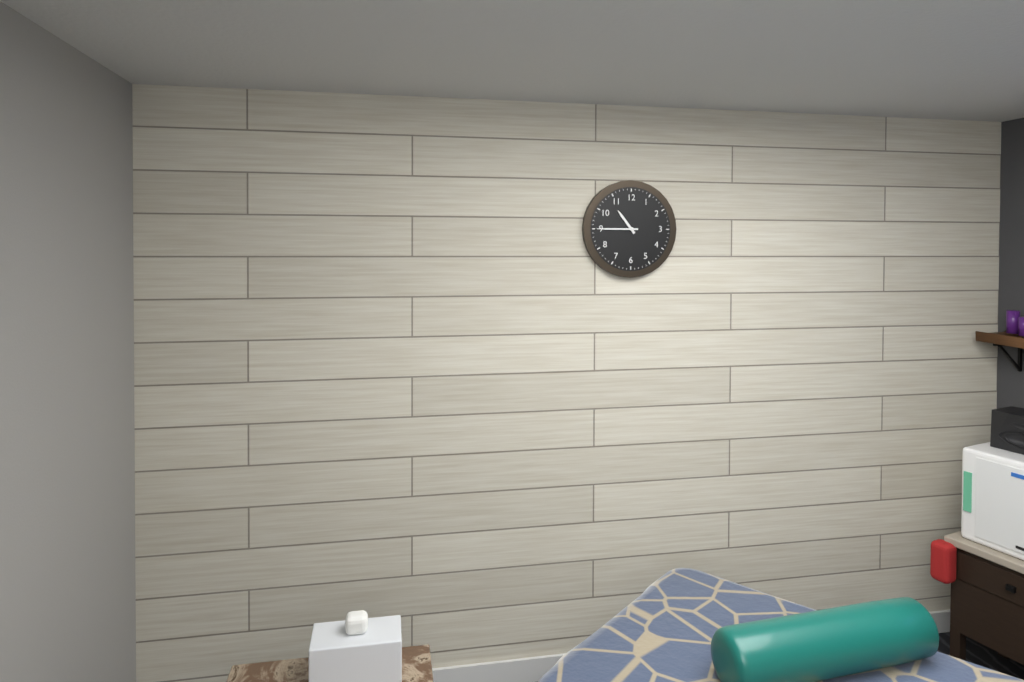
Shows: 10:45
